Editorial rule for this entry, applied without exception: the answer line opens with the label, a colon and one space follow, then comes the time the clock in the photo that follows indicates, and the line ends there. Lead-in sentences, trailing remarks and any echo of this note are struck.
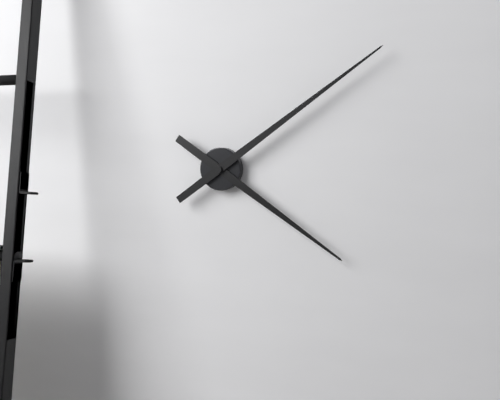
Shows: 4:09
